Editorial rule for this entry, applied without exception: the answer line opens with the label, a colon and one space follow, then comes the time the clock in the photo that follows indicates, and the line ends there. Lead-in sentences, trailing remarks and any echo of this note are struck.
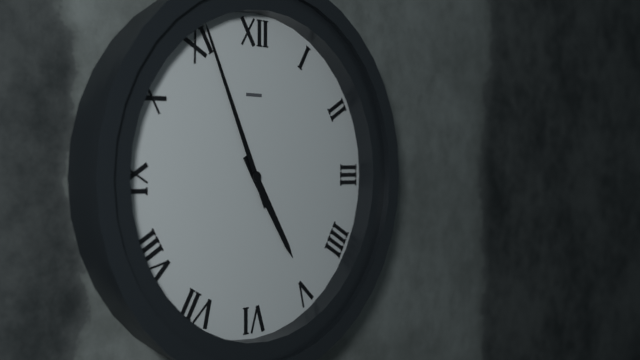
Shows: 4:56
